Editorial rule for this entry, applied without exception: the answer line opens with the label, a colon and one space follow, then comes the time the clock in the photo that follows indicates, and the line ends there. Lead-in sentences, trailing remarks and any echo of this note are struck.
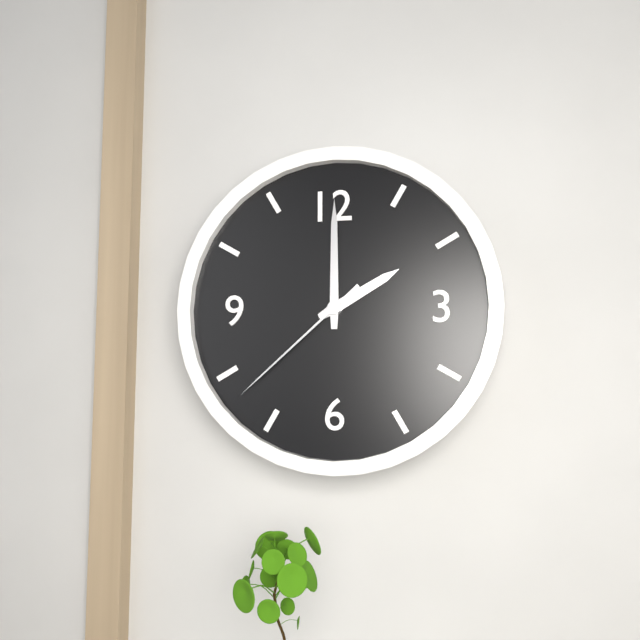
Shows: 2:00:38
